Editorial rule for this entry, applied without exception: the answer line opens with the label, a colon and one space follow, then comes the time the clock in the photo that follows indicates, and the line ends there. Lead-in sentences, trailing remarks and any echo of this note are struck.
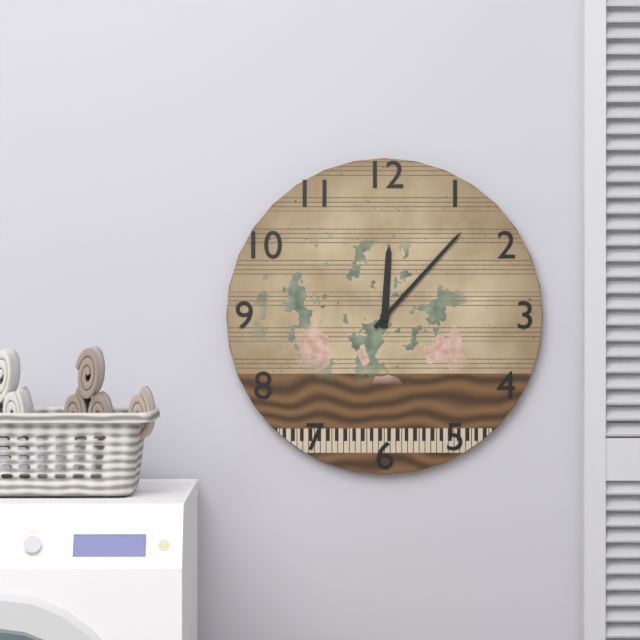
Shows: 12:07
